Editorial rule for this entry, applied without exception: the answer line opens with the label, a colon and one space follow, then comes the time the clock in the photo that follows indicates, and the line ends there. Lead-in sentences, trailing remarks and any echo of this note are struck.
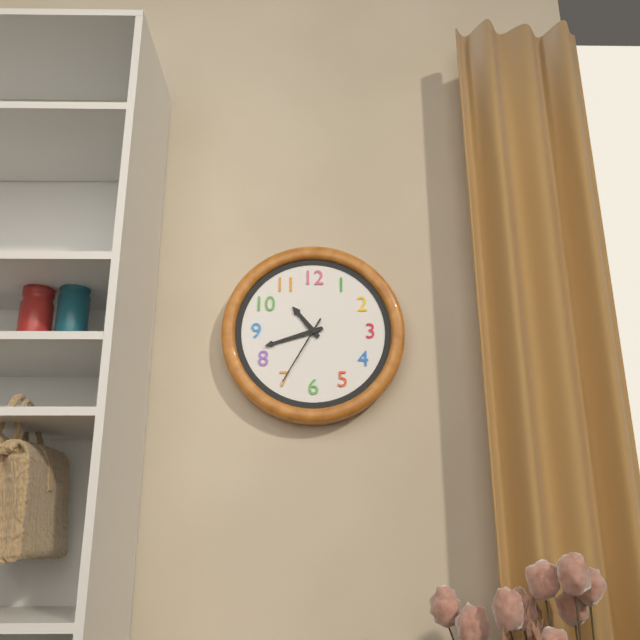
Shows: 10:42:35
